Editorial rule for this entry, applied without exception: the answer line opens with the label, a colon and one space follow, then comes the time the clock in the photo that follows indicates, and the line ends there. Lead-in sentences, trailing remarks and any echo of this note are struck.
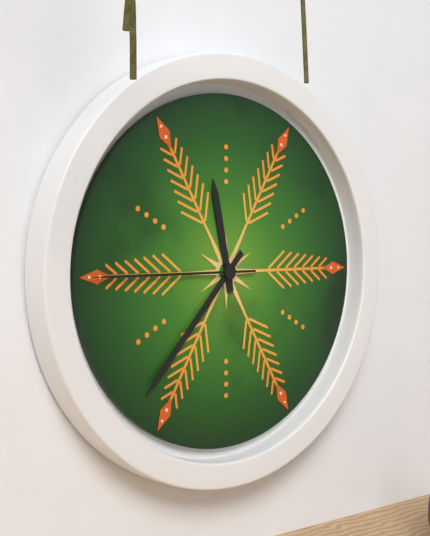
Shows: 11:37:45
